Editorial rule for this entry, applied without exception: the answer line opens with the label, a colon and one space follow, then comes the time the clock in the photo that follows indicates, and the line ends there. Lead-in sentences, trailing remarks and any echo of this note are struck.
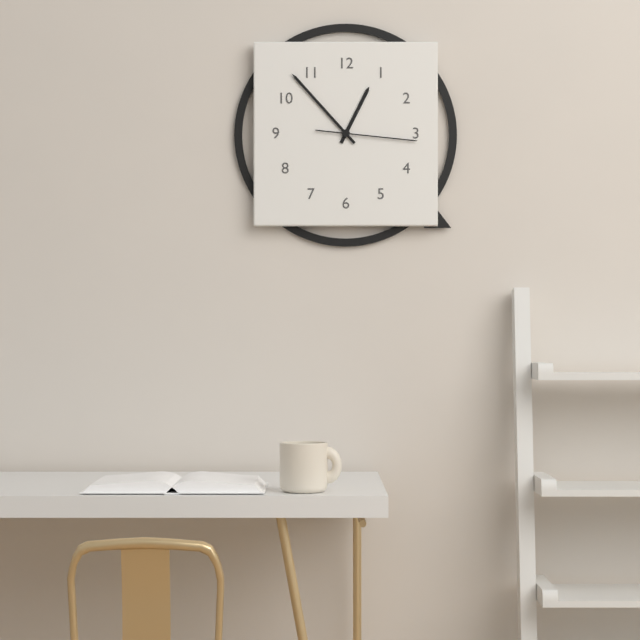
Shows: 12:53:16
